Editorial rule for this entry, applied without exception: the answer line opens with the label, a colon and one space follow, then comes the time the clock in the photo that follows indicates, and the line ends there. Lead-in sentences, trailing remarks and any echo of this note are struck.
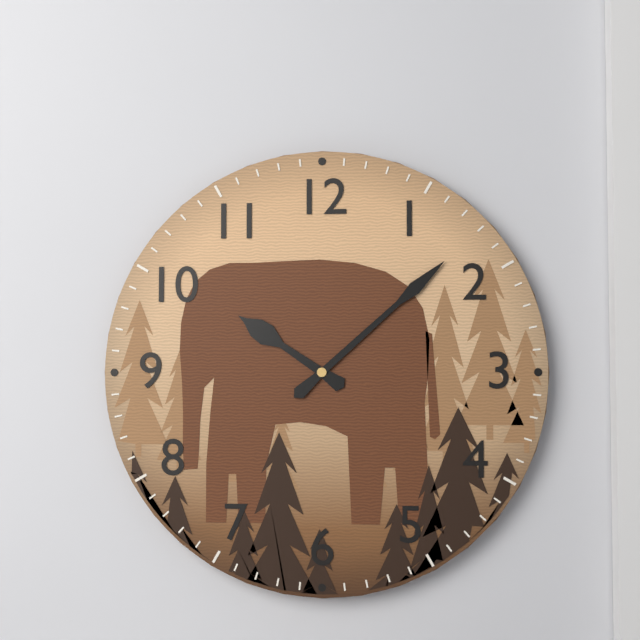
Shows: 10:08
